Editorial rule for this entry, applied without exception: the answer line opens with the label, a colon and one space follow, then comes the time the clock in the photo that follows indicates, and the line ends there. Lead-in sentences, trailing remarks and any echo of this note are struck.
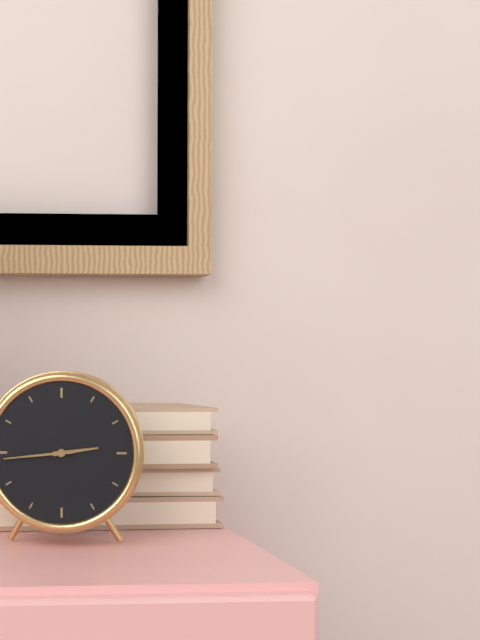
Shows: 2:44
